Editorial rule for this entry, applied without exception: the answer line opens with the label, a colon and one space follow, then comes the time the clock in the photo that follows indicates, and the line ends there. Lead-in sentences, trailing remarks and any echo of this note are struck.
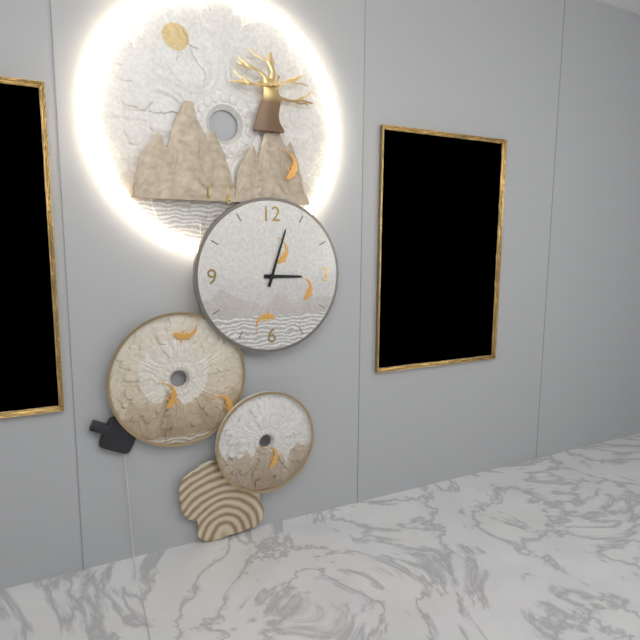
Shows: 3:03
